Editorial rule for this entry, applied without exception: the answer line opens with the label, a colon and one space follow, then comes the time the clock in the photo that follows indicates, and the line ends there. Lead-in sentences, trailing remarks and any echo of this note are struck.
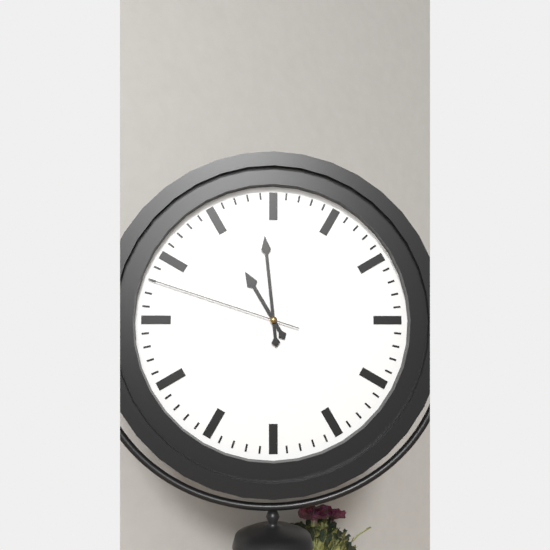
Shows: 10:59:48
